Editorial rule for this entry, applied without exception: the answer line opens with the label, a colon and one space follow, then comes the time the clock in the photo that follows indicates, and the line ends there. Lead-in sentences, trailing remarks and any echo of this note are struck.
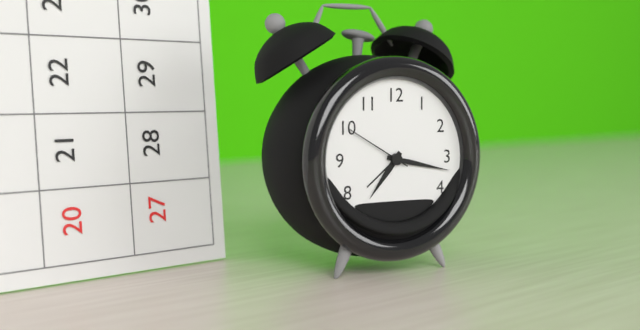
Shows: 7:17:50
